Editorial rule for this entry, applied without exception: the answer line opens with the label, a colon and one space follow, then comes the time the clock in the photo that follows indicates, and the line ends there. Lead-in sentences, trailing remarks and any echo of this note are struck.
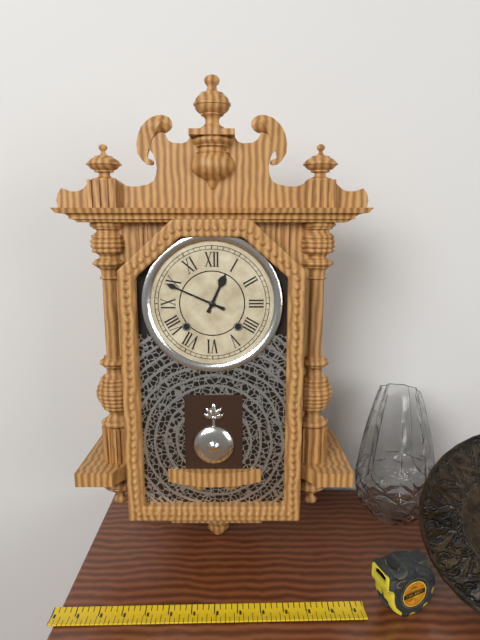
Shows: 12:49
